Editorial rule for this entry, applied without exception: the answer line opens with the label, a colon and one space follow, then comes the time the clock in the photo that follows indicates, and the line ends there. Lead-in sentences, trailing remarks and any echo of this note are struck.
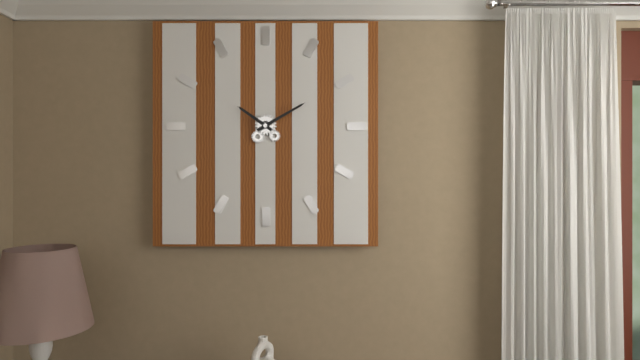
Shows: 10:10
